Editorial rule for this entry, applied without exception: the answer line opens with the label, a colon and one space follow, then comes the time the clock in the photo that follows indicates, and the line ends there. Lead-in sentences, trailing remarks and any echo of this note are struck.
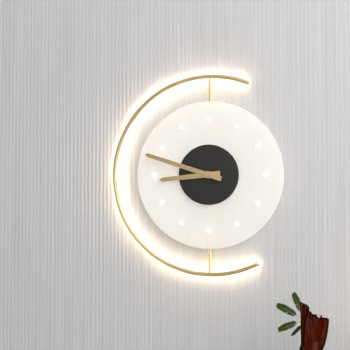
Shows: 8:48
